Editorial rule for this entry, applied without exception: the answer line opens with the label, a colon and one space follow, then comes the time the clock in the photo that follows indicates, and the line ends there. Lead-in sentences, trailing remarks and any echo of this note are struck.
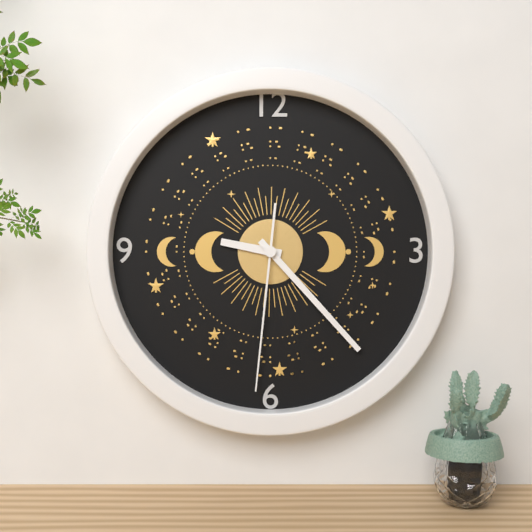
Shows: 9:23:31
